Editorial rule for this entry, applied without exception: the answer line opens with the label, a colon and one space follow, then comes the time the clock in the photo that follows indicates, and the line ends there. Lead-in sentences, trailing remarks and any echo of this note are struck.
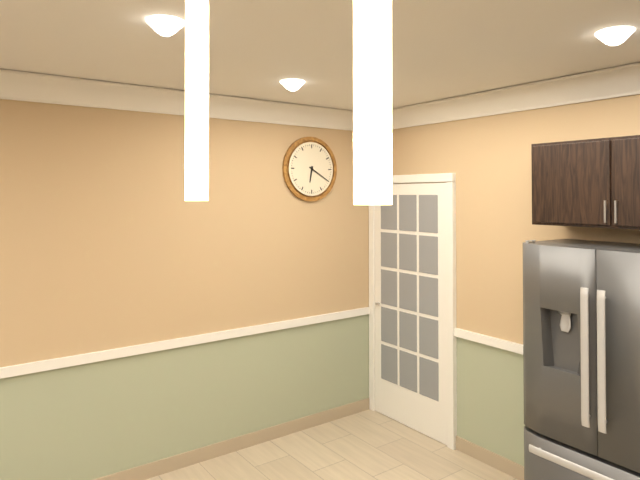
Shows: 6:20
